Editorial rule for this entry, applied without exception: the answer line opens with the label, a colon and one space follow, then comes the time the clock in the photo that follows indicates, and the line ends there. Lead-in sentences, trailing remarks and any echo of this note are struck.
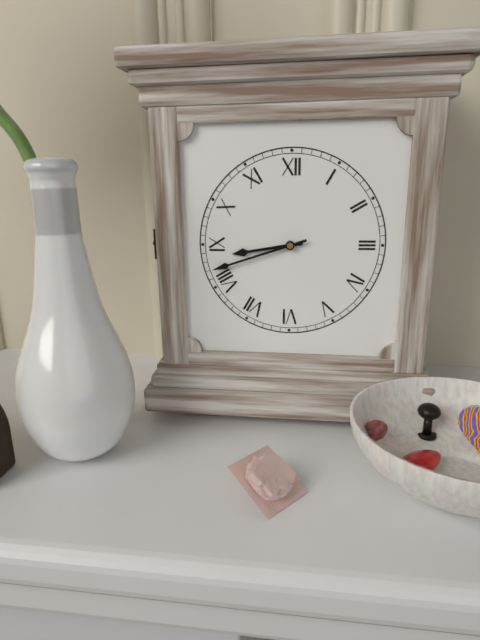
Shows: 8:42
